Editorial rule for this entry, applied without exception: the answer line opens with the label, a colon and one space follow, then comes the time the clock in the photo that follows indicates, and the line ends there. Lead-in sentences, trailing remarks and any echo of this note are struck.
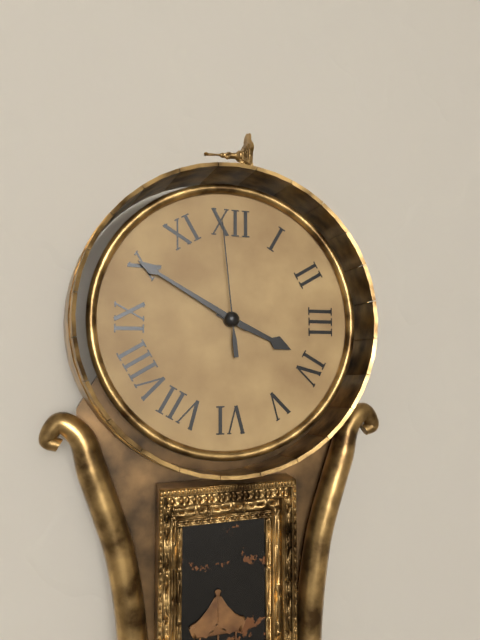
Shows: 3:50:59
